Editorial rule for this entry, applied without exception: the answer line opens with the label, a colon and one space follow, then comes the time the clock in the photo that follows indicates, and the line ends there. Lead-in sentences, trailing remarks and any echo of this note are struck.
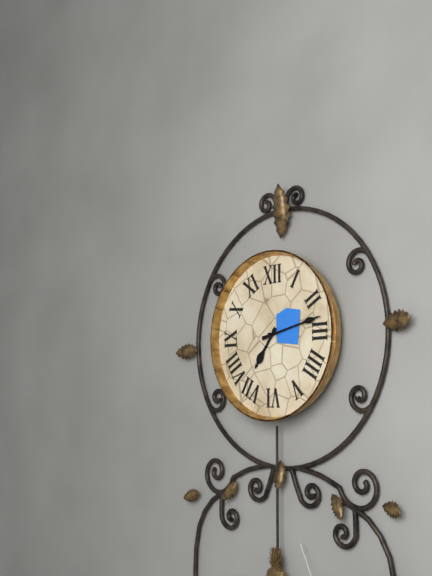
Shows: 7:13
